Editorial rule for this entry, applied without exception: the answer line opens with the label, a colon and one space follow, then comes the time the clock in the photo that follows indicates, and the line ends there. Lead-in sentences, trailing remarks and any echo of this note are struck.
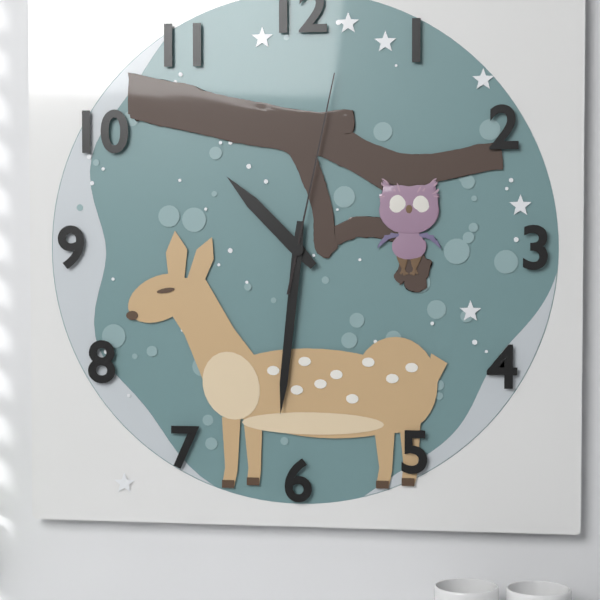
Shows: 10:31:02
